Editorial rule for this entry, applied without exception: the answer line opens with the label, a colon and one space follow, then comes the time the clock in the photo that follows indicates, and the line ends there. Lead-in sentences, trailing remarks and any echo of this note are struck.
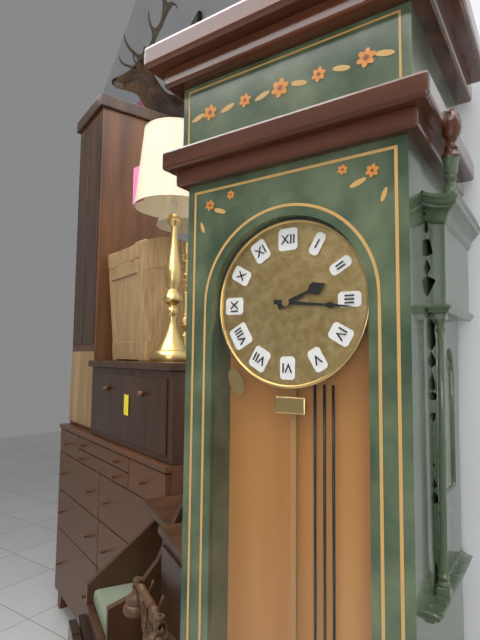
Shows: 2:16
